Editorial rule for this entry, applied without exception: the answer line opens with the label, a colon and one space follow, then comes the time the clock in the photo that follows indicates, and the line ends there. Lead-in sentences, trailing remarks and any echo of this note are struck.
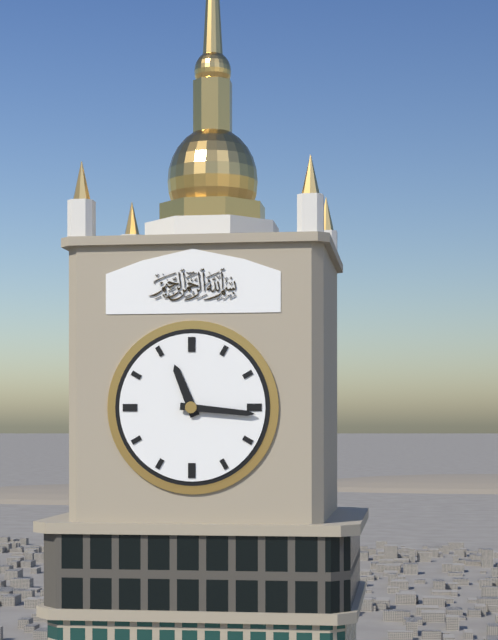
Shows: 11:16
